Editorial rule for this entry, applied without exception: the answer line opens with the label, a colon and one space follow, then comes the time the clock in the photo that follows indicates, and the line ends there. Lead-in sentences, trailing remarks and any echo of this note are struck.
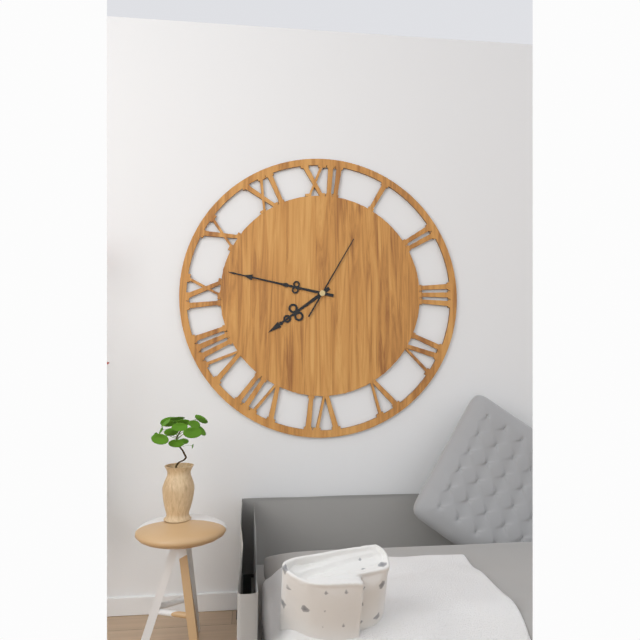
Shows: 7:47:05
